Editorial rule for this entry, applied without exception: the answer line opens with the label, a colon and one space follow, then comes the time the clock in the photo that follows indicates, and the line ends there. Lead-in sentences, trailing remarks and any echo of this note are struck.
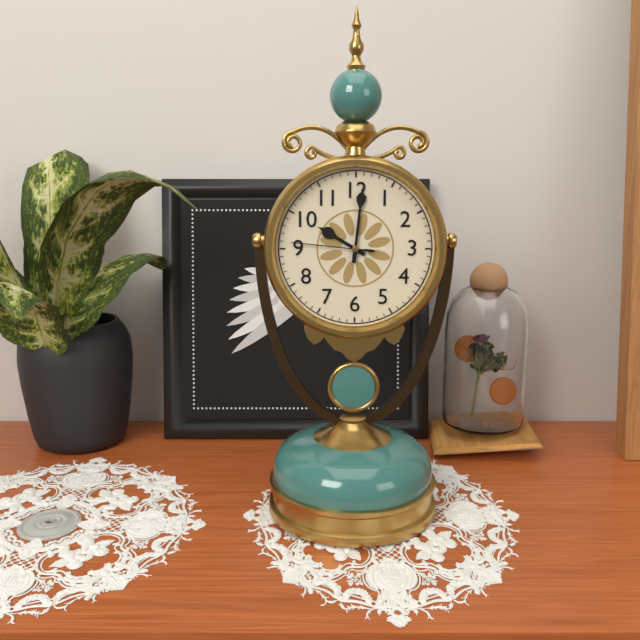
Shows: 10:01:46
